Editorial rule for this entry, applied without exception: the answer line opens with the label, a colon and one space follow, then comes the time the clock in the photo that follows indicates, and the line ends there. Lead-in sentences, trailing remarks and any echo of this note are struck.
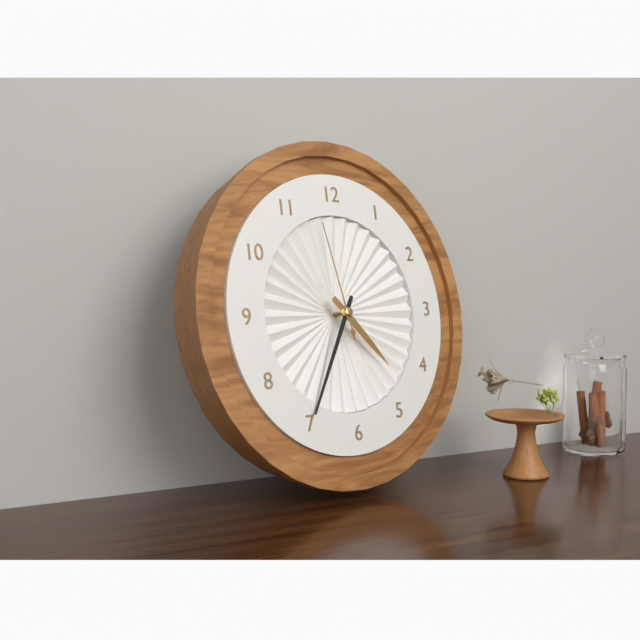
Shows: 4:35:58
